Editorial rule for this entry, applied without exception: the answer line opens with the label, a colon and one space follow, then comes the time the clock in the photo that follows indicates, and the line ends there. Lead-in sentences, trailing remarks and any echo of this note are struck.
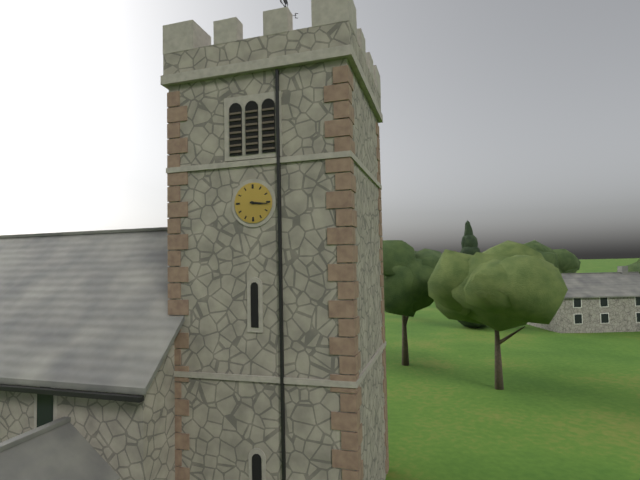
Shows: 3:16
